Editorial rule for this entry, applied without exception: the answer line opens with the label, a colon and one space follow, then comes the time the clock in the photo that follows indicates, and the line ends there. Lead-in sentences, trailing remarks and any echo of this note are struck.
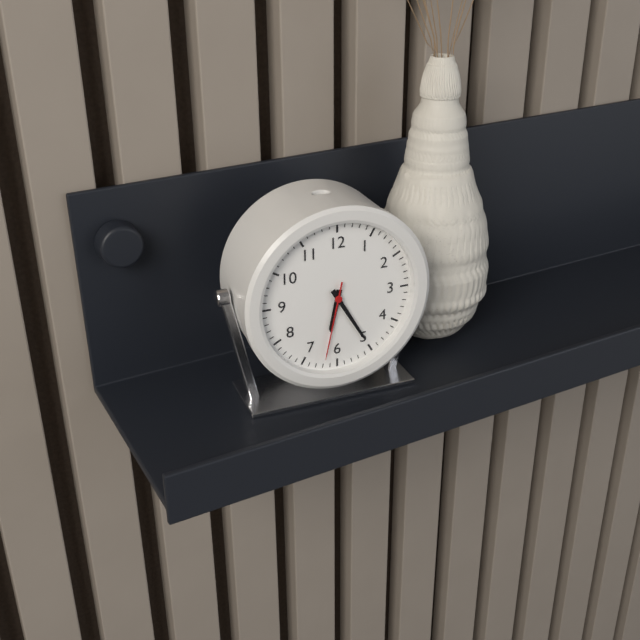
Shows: 6:25:32
